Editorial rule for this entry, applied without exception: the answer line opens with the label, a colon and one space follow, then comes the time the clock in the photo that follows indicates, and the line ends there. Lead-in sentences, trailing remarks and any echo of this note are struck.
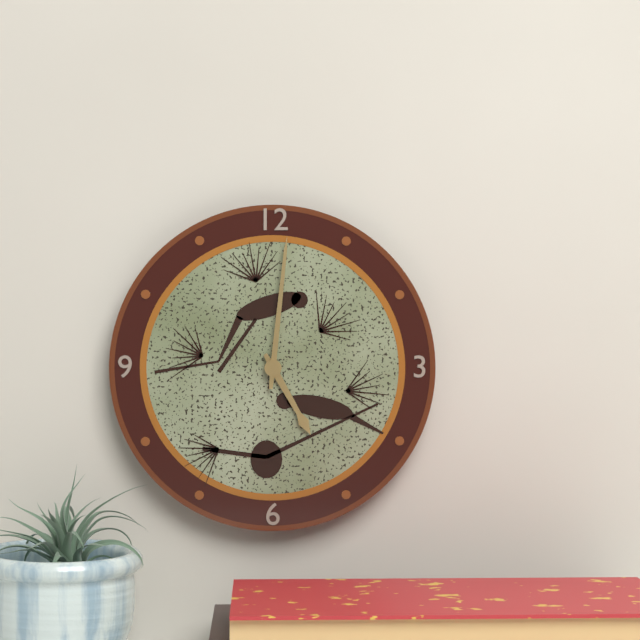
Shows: 5:01
